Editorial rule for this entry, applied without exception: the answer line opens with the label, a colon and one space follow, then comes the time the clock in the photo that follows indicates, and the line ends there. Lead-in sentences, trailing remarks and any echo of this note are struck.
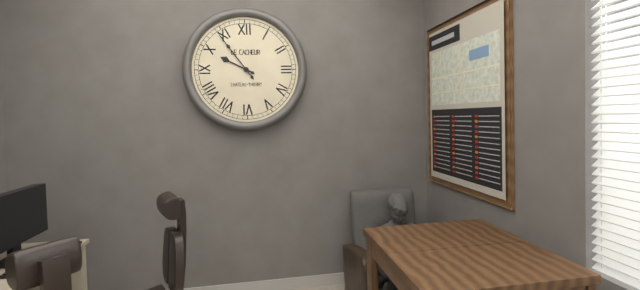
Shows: 9:54
